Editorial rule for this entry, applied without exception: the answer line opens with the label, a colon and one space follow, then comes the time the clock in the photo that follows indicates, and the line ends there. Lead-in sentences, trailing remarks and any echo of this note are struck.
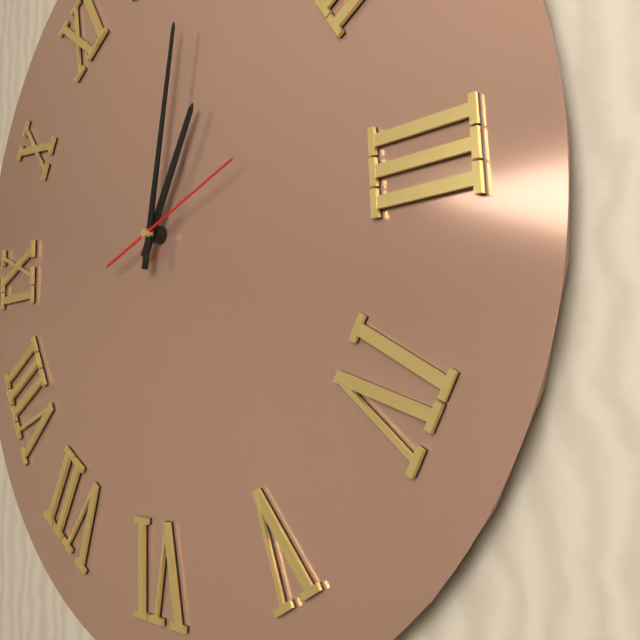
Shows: 1:02:12
